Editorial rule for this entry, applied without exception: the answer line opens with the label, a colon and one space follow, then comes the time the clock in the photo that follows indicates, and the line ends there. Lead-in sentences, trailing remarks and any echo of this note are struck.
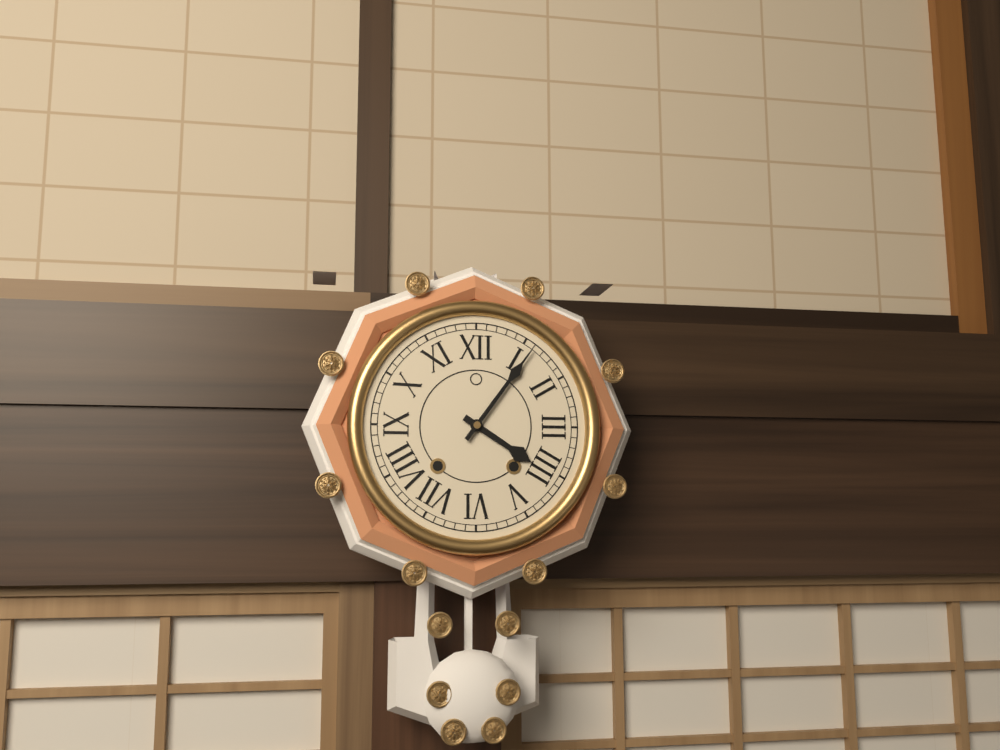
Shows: 4:06
